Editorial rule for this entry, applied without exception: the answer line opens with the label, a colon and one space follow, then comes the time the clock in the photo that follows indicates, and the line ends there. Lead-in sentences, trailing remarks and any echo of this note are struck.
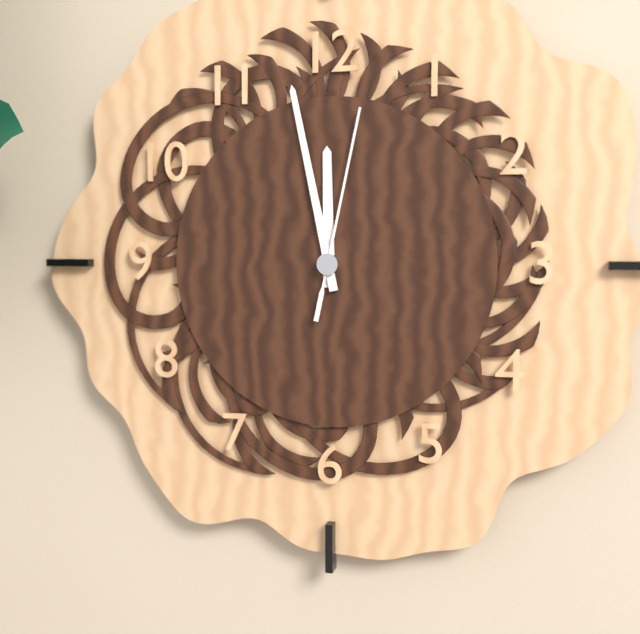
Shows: 11:58:02
